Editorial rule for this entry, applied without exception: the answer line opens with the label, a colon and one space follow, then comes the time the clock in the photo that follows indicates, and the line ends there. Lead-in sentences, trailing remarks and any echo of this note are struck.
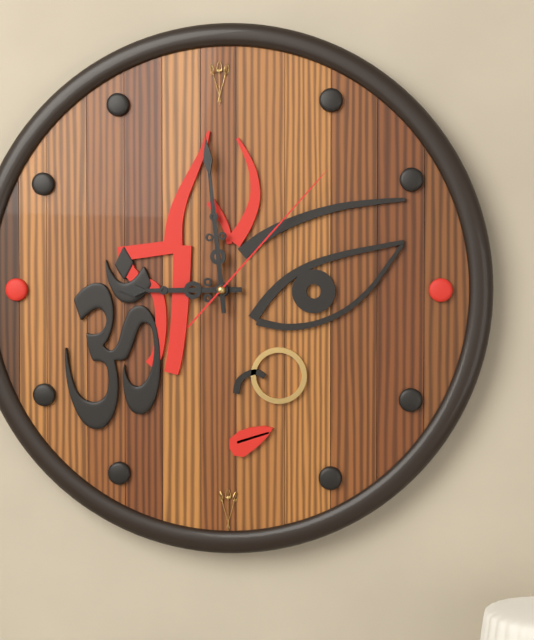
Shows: 8:59:07
